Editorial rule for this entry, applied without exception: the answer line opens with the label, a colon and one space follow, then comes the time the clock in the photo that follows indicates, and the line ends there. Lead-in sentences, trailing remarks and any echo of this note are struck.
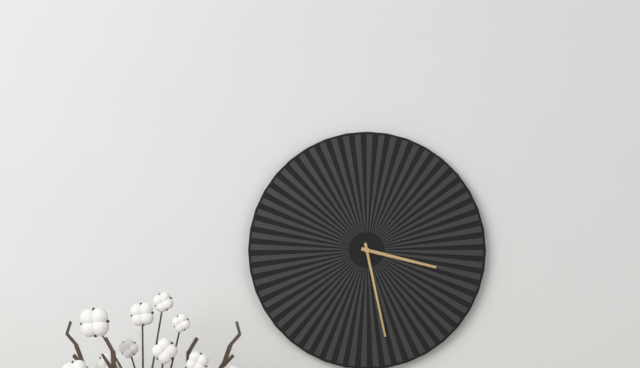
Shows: 3:28
